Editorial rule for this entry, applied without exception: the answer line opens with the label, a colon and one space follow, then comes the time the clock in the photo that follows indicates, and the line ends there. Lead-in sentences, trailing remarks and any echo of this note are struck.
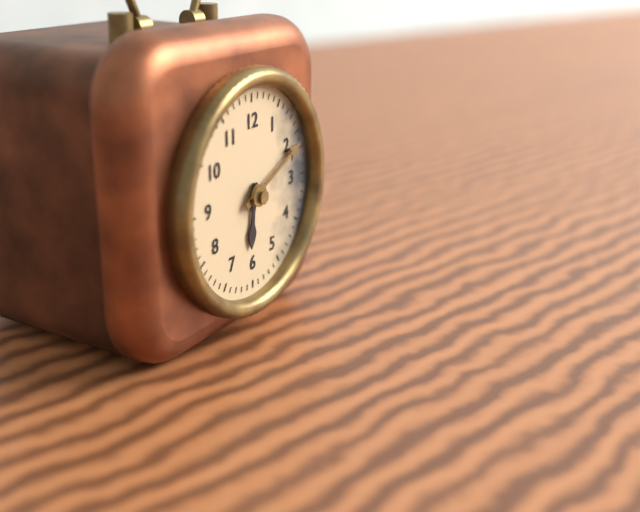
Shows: 6:11
